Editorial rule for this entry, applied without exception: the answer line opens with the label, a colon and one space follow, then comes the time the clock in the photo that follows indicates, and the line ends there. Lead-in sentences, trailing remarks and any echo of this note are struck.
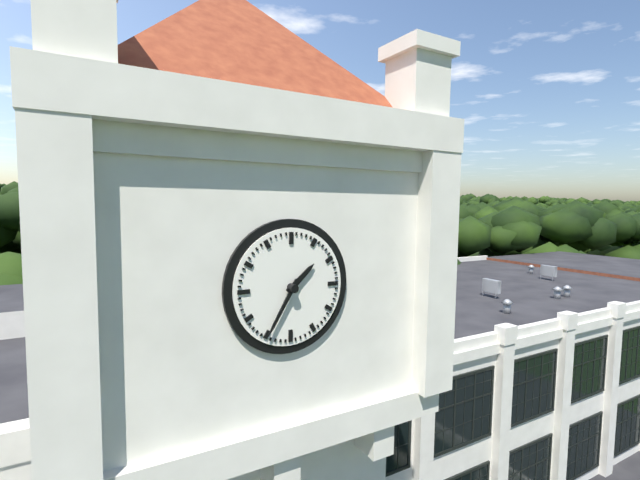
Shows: 1:35
